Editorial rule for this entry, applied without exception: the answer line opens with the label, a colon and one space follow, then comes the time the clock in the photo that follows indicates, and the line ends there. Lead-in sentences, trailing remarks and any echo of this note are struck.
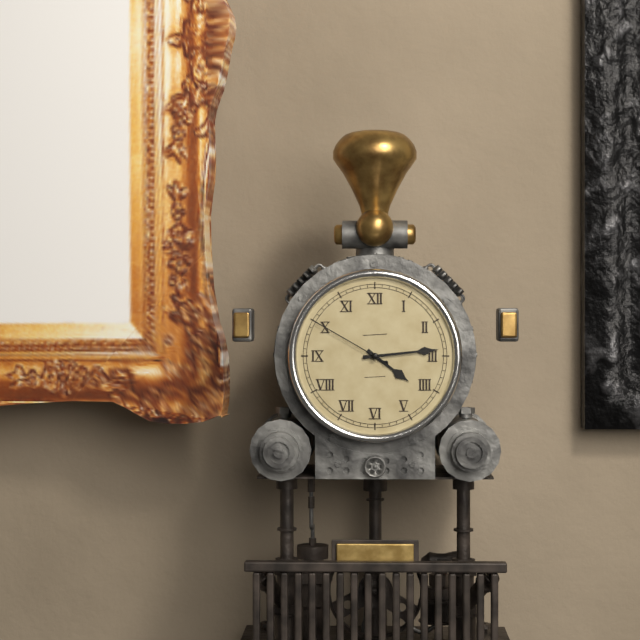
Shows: 4:14:50
